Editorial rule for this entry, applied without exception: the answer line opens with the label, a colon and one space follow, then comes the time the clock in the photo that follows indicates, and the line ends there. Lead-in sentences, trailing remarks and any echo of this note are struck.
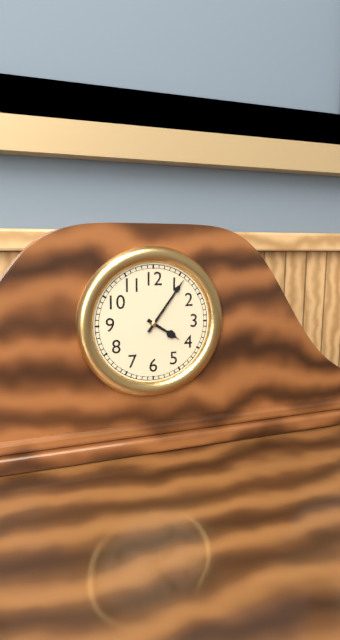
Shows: 4:06
